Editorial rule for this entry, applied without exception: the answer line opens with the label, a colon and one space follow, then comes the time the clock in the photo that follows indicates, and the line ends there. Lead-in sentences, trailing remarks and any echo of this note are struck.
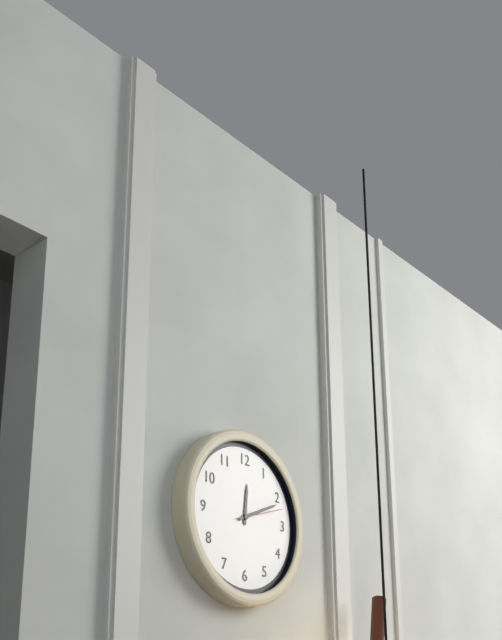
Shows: 12:11:12
